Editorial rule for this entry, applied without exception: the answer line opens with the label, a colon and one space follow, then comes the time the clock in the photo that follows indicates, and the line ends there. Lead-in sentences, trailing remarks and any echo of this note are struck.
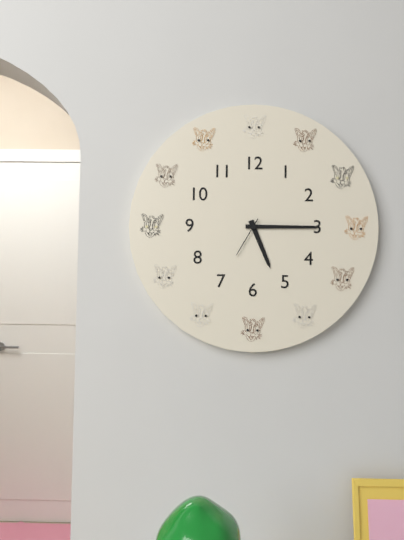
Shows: 5:15
